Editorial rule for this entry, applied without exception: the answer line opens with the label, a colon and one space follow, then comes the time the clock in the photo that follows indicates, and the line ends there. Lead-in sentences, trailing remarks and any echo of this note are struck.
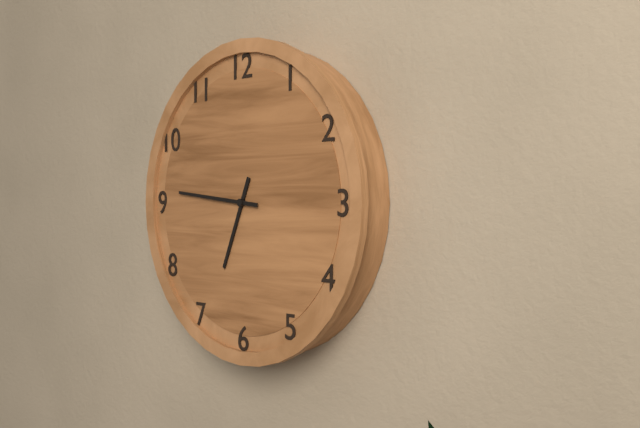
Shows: 6:46
